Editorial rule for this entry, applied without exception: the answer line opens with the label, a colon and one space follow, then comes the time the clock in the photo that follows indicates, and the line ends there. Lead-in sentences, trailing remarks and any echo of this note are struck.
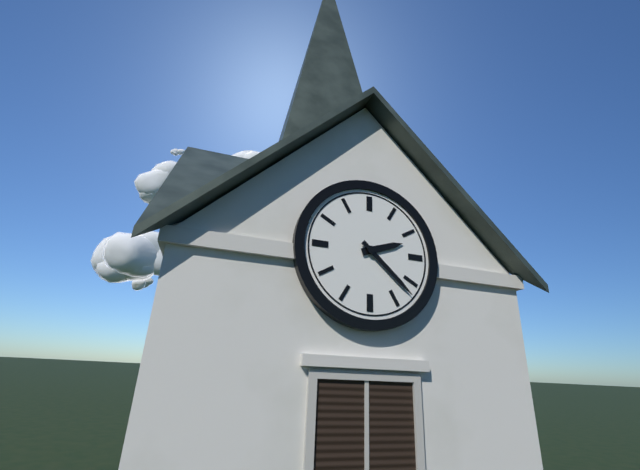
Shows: 2:22
